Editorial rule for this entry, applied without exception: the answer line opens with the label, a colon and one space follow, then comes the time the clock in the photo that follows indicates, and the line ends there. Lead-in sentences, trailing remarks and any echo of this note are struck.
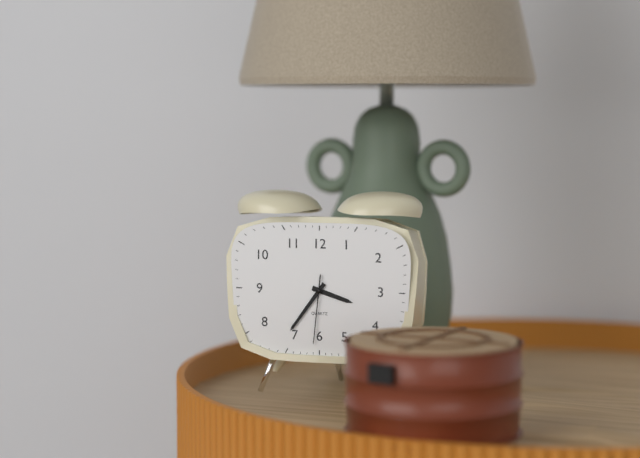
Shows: 3:36:31
